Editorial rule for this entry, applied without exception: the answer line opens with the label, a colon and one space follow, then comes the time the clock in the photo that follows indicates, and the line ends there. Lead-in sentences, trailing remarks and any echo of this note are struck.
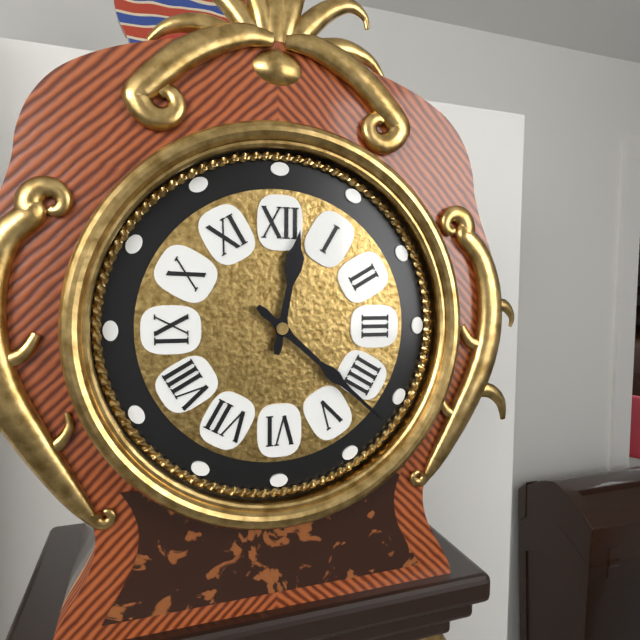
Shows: 12:22
